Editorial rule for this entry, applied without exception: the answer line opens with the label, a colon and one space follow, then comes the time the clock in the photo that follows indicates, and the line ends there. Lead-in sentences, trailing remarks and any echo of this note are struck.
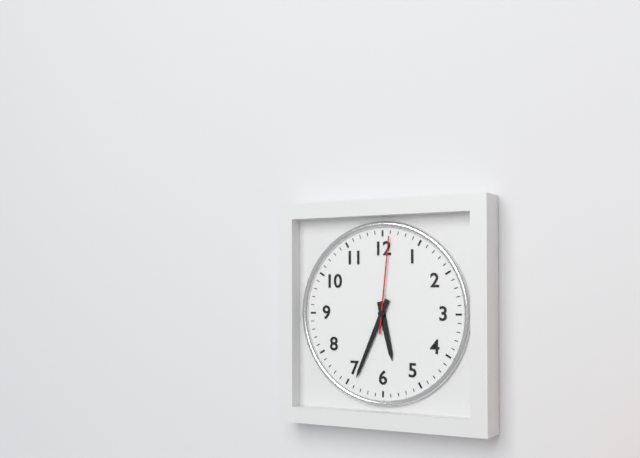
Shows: 5:34:01
